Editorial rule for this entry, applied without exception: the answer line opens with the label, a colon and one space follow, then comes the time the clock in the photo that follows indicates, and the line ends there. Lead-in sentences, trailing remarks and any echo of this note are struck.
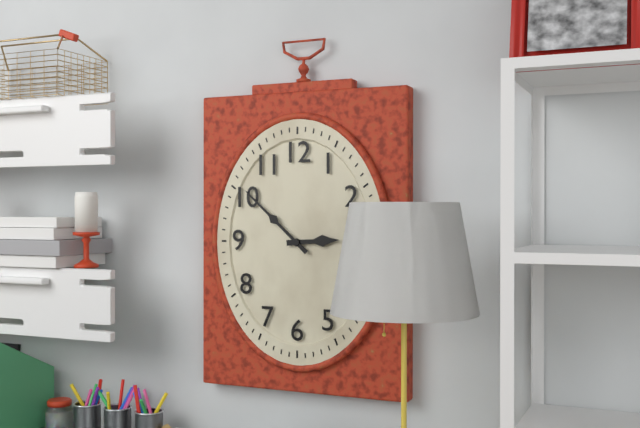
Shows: 2:52
